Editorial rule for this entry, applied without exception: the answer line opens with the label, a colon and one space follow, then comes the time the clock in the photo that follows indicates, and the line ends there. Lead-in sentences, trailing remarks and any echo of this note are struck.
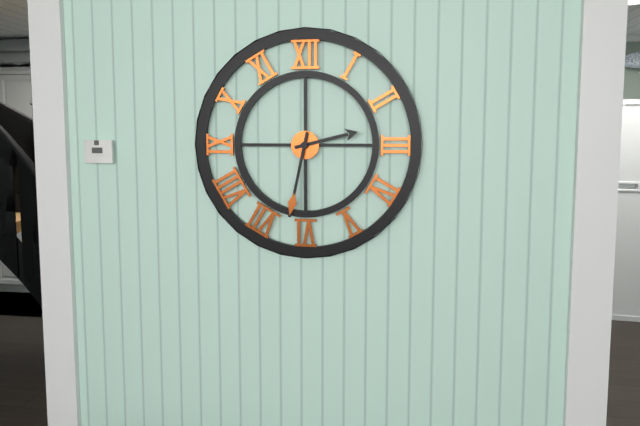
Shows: 2:32
